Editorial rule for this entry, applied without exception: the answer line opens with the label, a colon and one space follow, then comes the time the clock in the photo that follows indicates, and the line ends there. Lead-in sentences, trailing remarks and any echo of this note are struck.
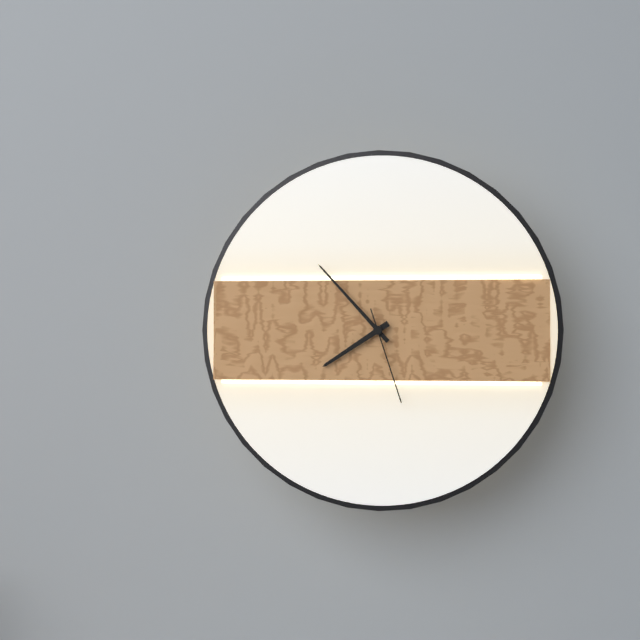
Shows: 7:53:27
